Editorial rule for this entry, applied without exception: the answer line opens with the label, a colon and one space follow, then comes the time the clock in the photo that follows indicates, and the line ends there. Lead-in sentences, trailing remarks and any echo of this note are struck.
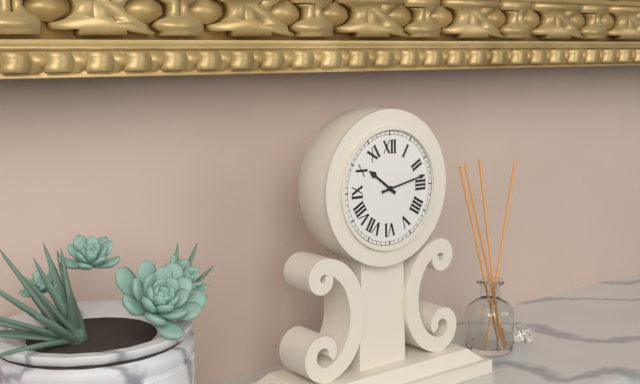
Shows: 10:13
